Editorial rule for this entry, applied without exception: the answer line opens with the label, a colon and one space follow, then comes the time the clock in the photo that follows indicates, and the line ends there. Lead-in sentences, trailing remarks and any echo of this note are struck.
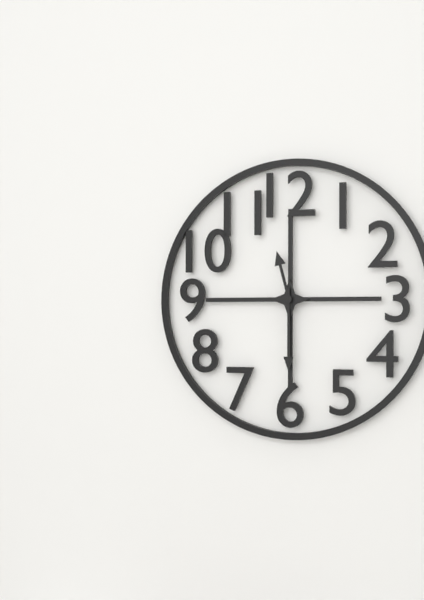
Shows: 11:30
